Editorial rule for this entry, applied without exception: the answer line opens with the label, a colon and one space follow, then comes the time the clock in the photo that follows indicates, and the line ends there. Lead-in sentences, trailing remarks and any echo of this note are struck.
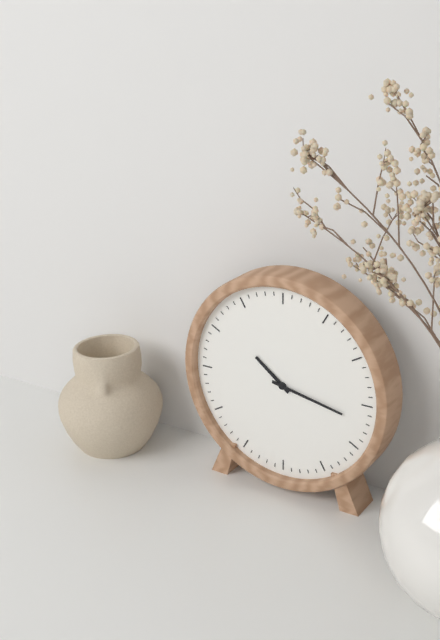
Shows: 10:17
